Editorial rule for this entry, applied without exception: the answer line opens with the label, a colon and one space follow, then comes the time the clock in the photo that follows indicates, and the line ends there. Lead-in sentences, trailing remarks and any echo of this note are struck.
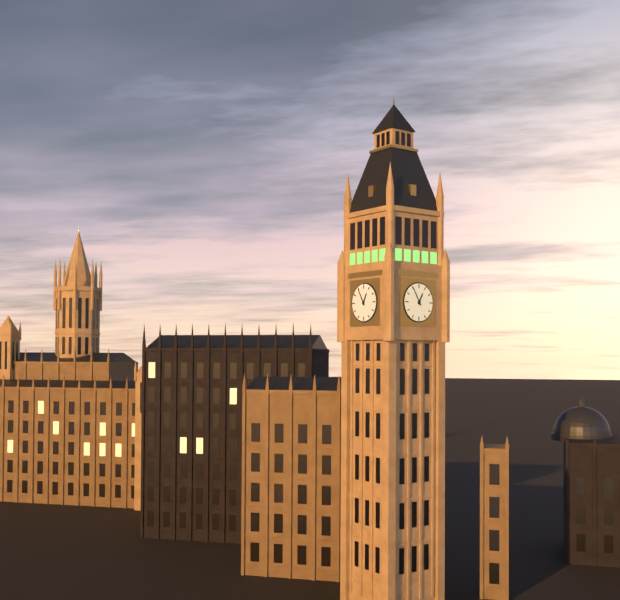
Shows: 12:55
